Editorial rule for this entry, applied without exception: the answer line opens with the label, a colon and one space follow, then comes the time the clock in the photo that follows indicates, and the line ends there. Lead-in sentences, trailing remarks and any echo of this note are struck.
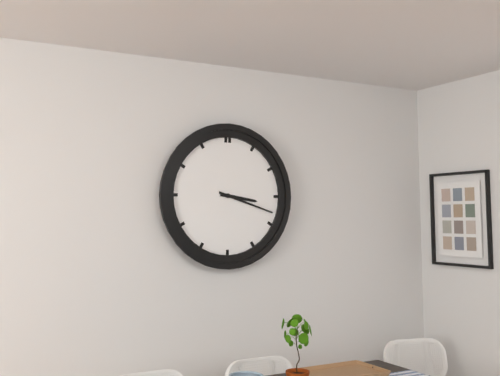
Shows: 3:18
